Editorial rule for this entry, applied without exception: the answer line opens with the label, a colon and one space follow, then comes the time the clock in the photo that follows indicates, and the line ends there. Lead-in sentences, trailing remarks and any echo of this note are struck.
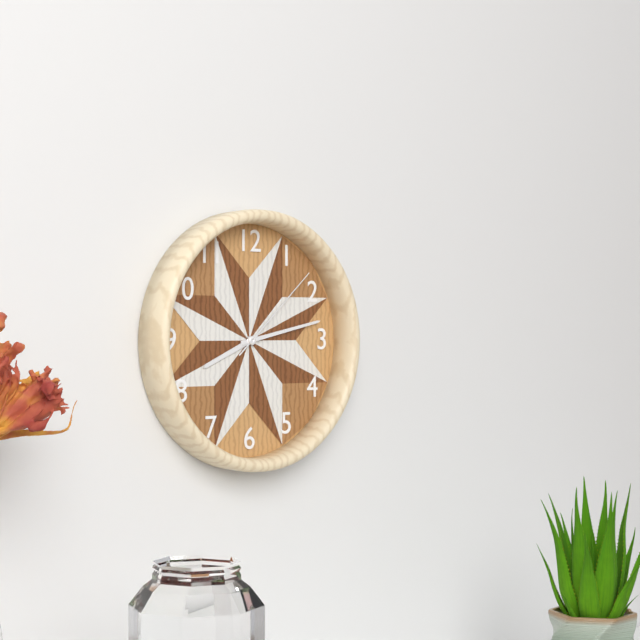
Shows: 8:13:08
